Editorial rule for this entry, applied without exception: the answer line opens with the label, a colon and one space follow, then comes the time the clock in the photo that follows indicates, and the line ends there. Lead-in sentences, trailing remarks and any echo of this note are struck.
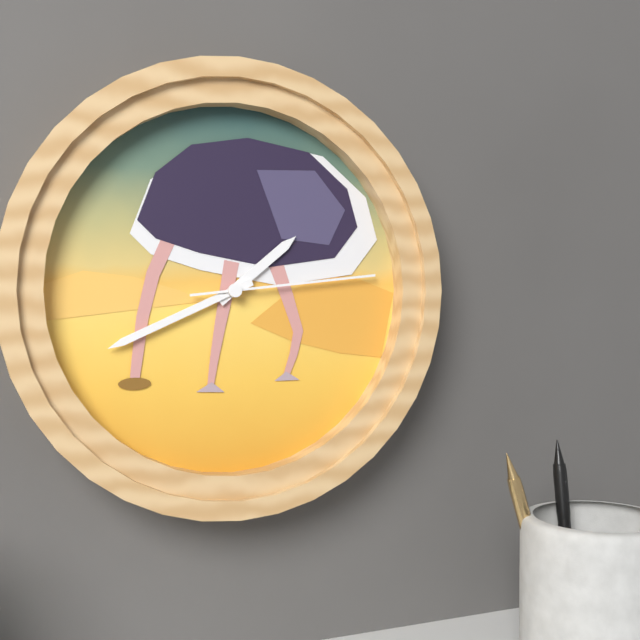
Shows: 1:41:14
